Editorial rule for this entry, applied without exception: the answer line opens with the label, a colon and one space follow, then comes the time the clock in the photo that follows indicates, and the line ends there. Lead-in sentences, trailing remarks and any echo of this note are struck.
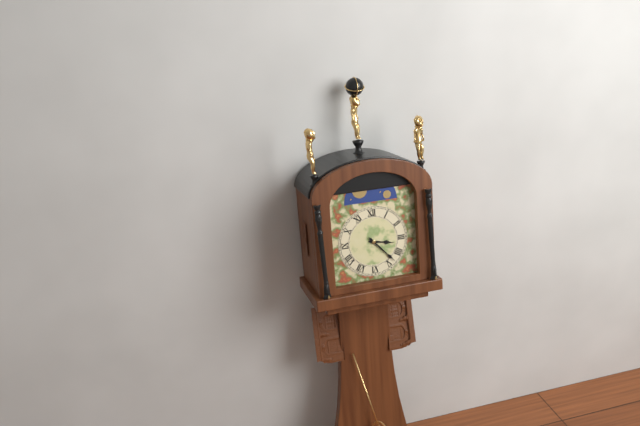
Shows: 3:23
